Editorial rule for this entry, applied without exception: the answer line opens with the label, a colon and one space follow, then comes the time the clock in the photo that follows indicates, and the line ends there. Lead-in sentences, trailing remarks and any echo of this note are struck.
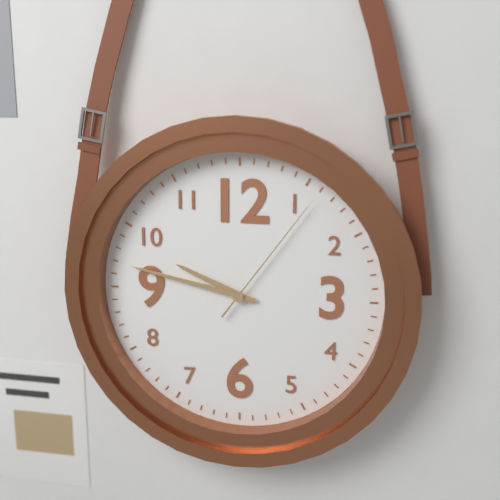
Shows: 9:47:06
